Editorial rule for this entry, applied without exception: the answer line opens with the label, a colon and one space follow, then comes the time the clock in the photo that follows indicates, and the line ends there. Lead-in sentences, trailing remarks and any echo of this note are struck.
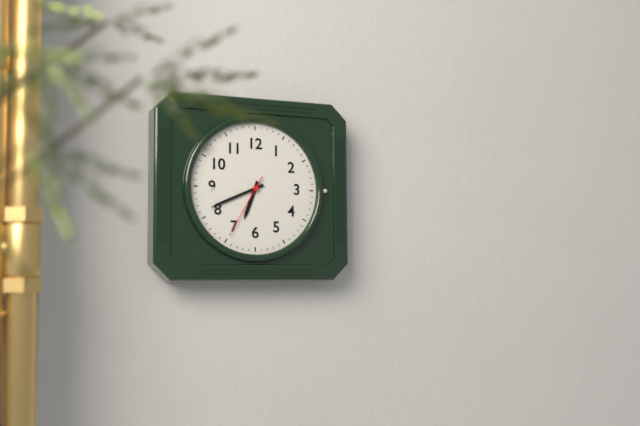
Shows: 6:41:35
